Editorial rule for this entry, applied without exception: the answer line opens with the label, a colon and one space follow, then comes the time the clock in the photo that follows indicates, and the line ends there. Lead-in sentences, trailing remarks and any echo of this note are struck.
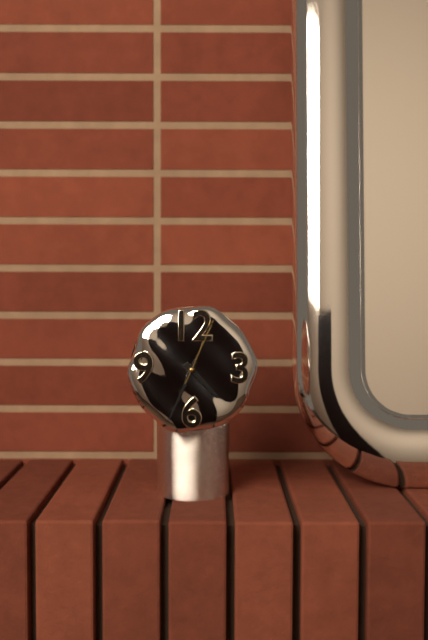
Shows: 4:34:04
